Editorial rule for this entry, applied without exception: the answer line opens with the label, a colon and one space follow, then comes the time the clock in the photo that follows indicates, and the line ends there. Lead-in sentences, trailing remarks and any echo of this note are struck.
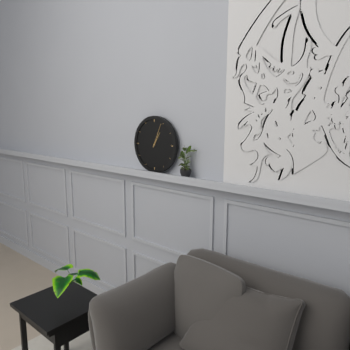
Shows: 1:04
